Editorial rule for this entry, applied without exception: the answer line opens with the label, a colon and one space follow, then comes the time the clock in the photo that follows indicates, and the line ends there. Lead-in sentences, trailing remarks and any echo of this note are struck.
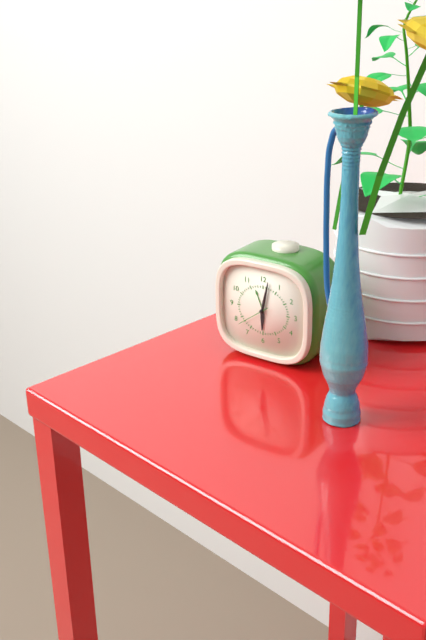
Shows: 6:02
